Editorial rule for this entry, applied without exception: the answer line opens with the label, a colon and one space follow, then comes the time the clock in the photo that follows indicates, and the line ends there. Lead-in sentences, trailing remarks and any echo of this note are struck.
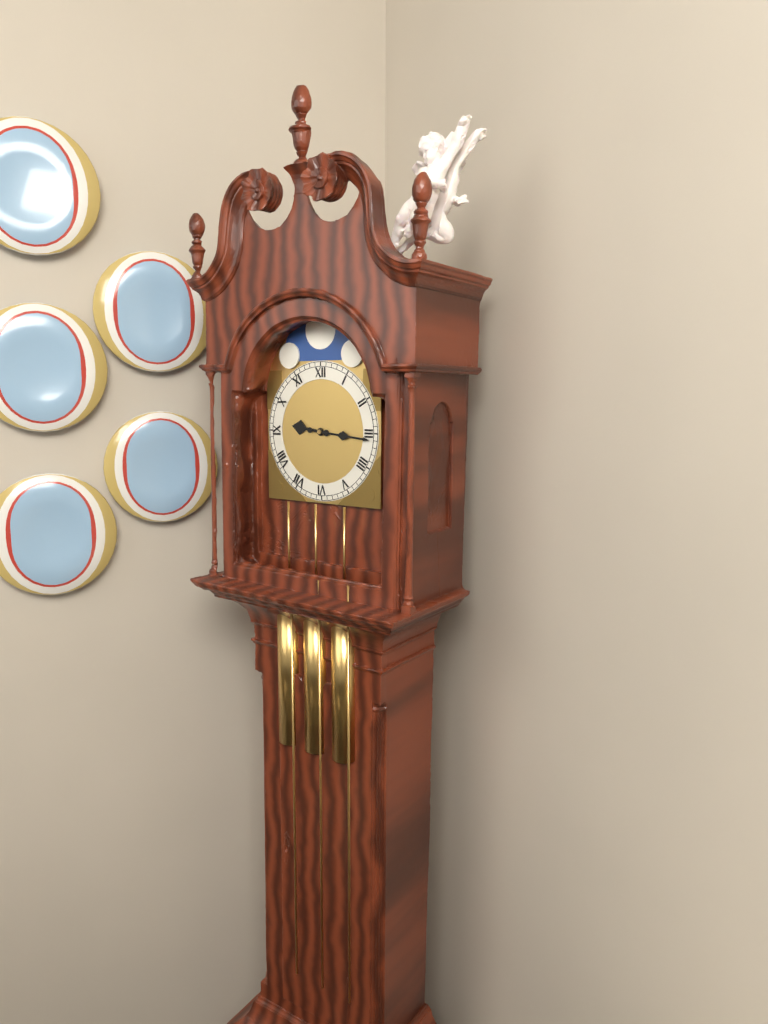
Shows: 9:16
